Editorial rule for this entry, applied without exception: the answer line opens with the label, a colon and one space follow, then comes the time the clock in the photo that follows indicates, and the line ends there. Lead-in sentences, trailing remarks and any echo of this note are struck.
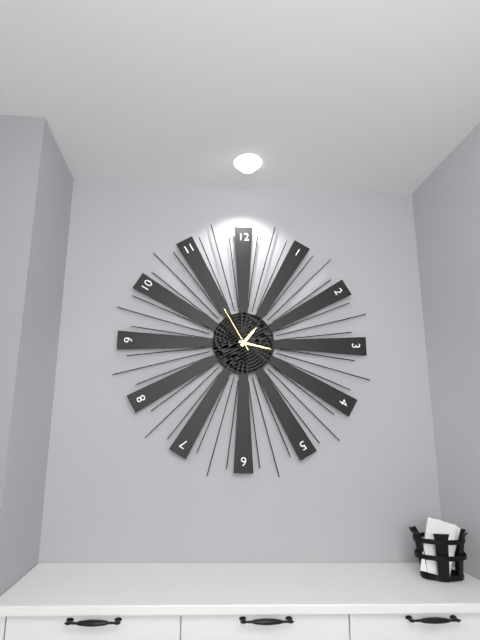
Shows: 1:17
